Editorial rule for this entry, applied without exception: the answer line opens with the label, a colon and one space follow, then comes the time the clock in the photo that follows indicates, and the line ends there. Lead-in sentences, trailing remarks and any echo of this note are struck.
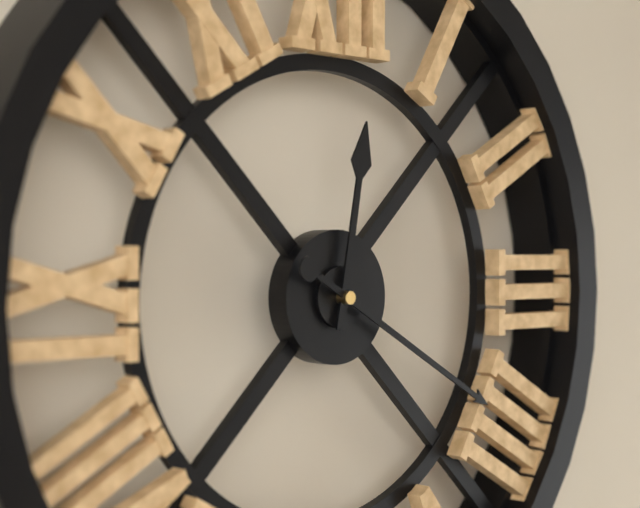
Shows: 12:20
